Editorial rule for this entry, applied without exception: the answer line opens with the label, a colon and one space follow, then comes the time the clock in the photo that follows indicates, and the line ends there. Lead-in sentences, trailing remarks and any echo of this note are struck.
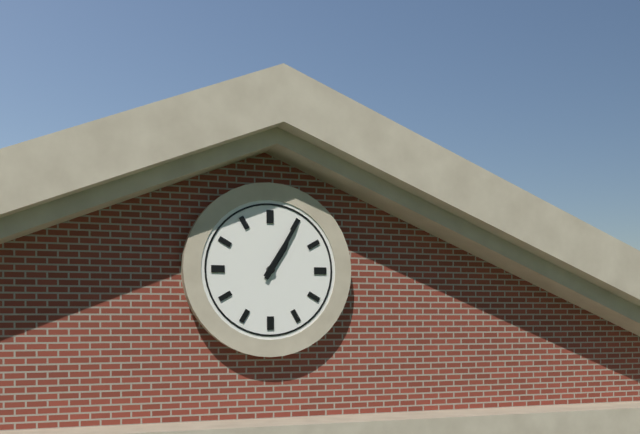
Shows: 1:05
